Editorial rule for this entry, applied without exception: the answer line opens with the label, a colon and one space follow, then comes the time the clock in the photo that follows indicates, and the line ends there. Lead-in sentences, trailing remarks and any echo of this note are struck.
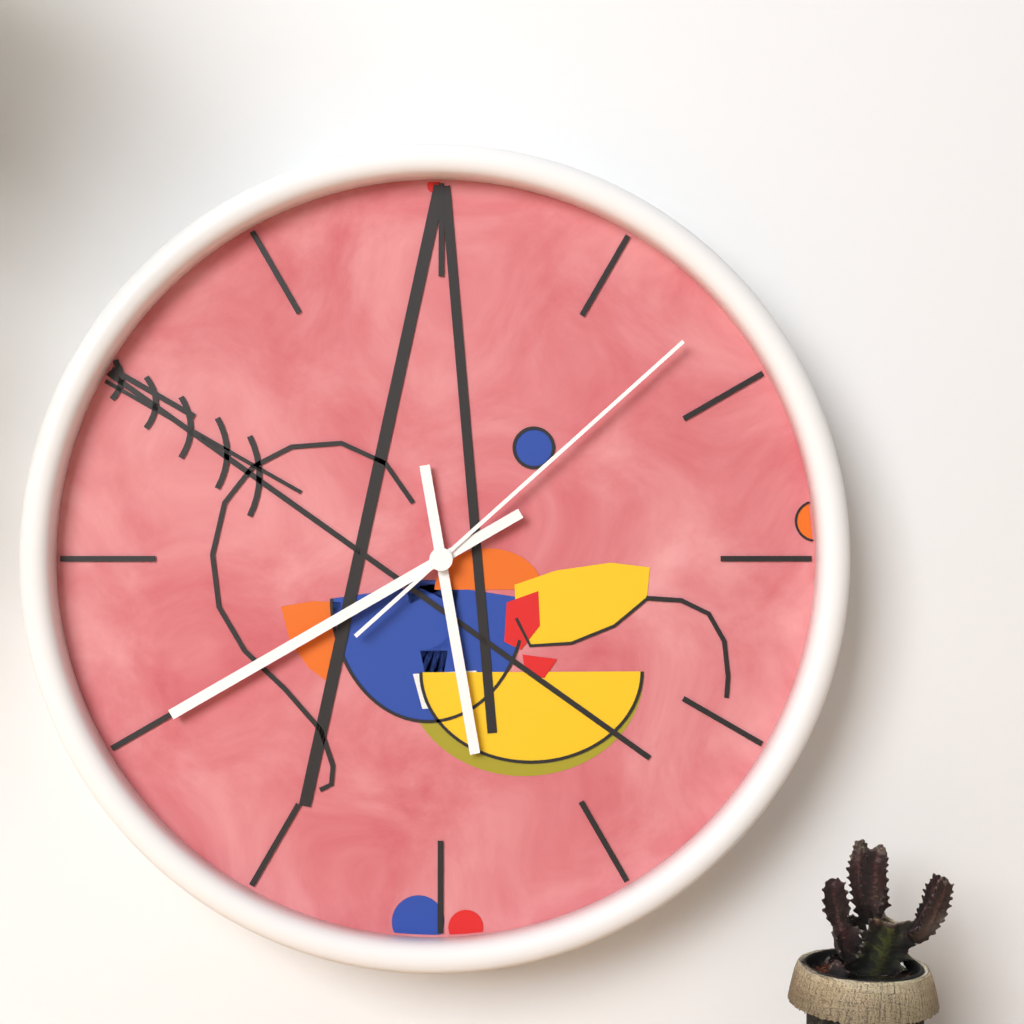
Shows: 5:40:08
